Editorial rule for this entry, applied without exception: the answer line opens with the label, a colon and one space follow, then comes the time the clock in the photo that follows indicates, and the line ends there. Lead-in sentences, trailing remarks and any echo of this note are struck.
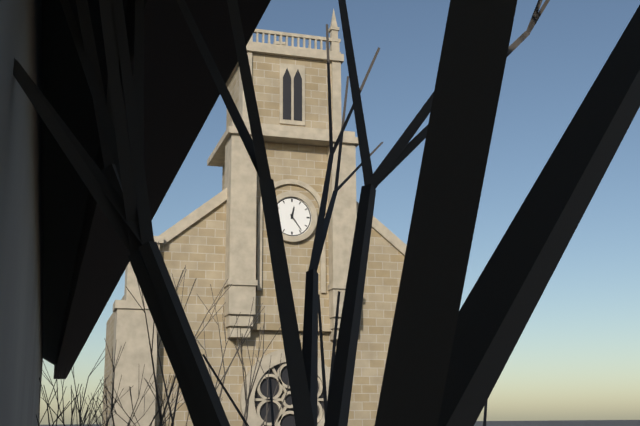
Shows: 12:24
